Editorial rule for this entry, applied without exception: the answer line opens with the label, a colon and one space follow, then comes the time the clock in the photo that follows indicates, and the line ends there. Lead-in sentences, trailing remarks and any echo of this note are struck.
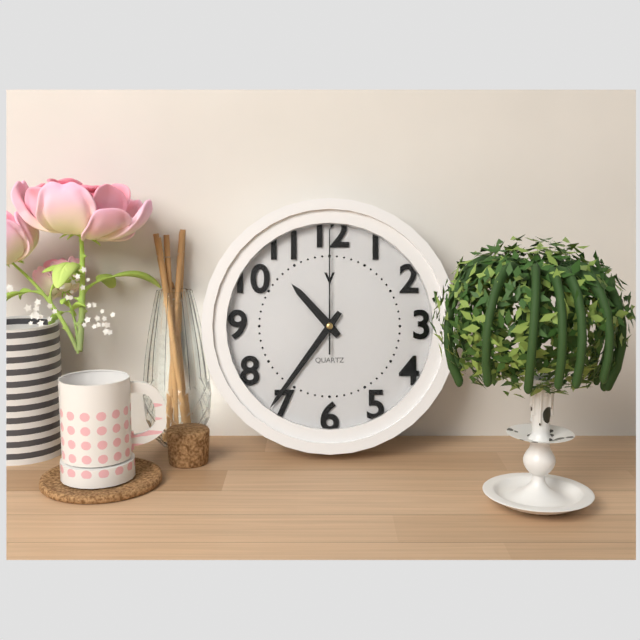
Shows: 10:36:00
